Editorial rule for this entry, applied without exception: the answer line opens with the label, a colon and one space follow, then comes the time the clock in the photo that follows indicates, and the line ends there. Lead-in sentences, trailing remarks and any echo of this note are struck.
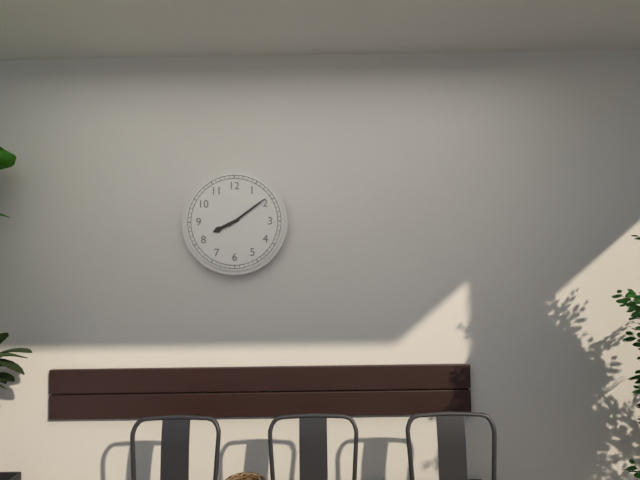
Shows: 8:09
